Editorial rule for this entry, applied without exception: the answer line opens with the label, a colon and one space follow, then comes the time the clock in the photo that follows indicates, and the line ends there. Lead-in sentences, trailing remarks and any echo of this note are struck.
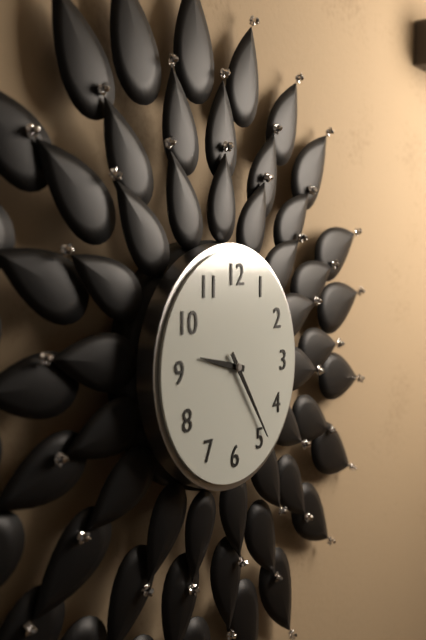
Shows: 9:24
